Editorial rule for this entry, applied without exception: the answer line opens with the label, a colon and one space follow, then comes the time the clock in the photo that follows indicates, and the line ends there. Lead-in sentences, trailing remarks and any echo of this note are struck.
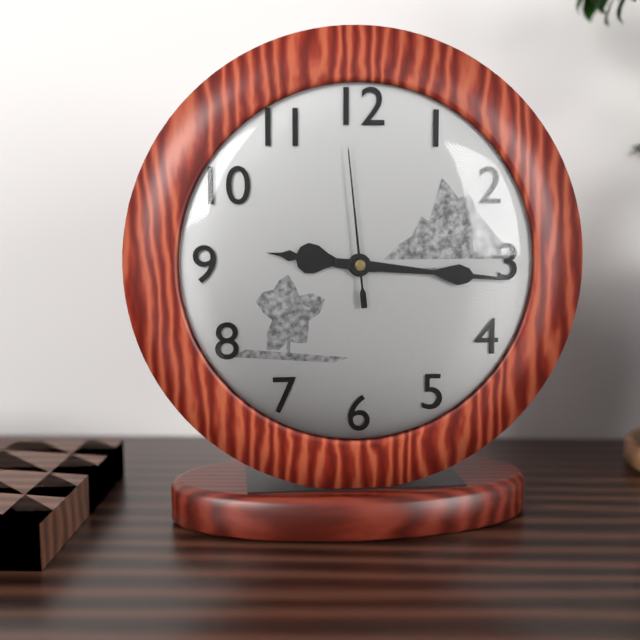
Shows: 9:16:59
